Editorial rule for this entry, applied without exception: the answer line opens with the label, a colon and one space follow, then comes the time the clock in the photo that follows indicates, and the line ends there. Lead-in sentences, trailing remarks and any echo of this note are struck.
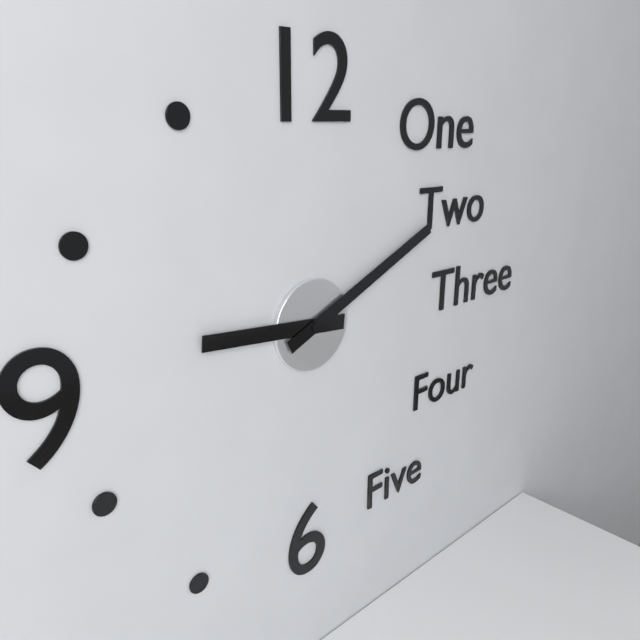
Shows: 9:11
